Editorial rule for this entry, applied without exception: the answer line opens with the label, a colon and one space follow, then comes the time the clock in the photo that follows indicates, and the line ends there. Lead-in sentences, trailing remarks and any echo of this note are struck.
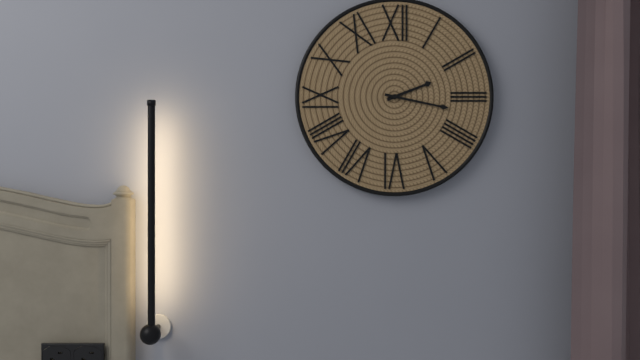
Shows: 2:17
